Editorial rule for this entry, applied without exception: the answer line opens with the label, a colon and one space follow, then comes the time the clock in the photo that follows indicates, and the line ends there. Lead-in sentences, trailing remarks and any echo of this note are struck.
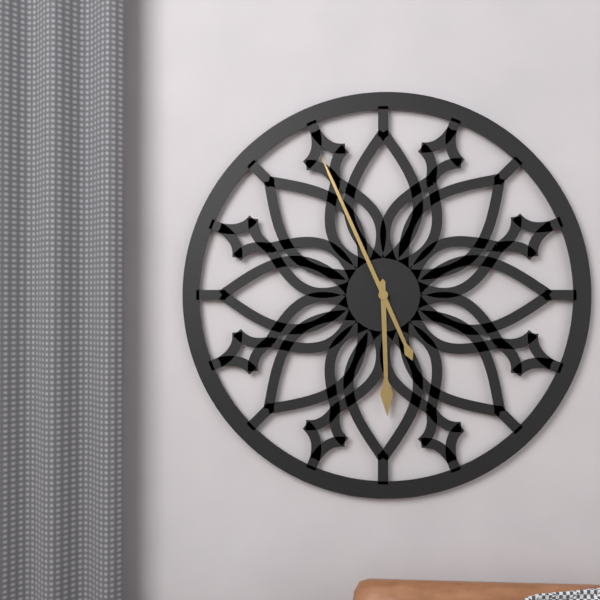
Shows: 5:56
